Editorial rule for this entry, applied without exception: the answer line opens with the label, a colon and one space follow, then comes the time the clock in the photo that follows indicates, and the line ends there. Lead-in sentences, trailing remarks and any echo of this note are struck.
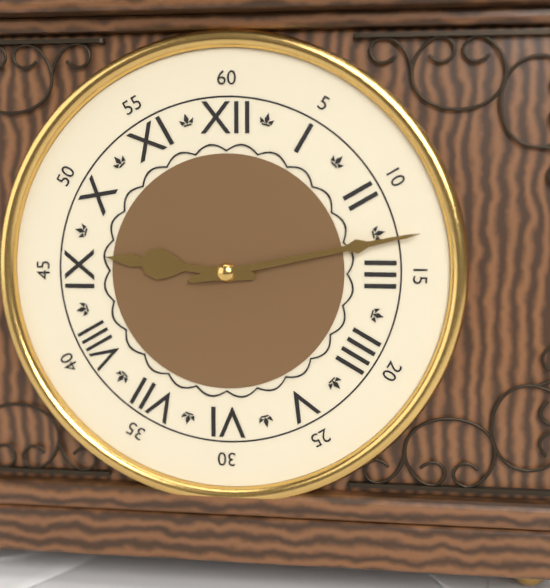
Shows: 9:13
